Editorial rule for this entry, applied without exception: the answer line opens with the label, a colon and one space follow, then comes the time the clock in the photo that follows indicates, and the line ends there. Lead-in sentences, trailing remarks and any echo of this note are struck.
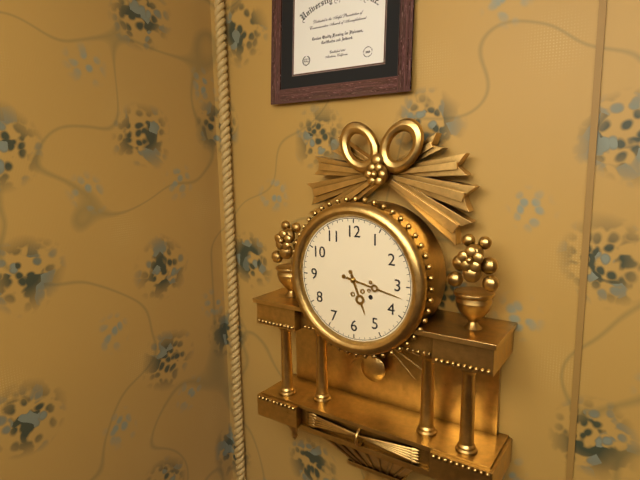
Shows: 5:17
